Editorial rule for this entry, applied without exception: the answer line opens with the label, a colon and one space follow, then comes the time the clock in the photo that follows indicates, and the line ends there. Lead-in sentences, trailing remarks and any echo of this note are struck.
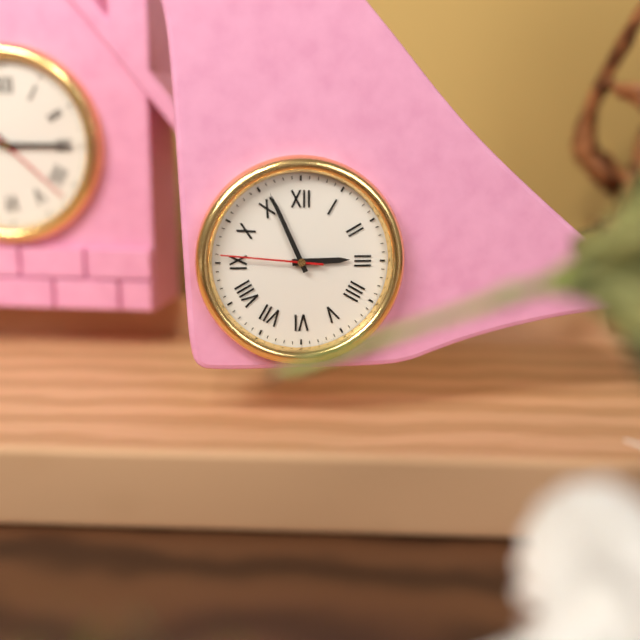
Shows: 2:56:46
